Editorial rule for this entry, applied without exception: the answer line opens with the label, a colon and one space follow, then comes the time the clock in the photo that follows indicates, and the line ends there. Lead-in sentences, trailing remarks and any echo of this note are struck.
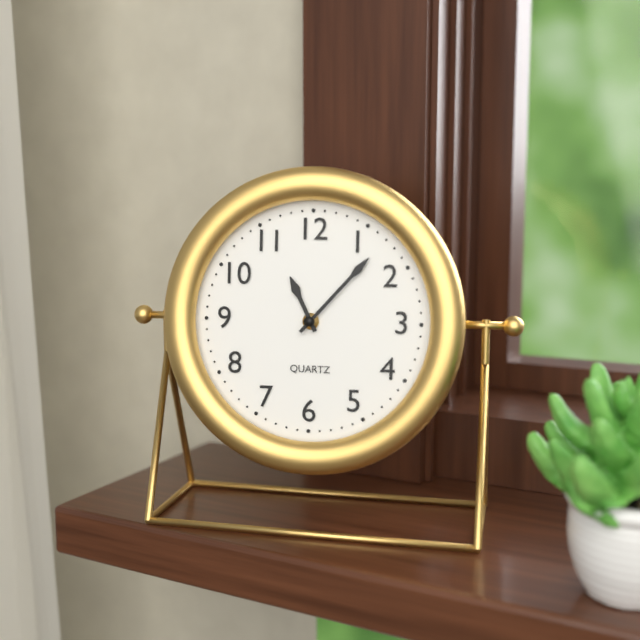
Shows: 11:07
